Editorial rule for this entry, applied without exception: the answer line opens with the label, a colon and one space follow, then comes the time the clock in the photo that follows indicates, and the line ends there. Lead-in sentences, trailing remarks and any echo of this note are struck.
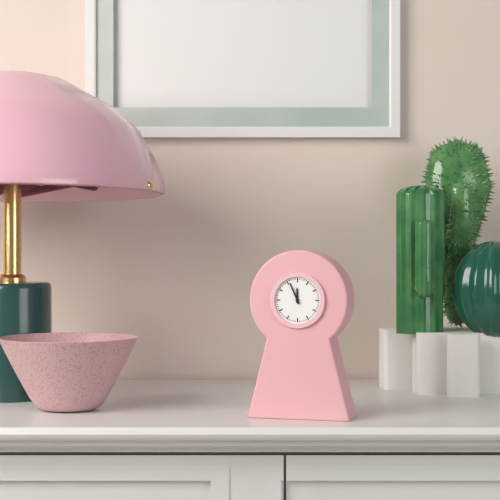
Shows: 11:56
